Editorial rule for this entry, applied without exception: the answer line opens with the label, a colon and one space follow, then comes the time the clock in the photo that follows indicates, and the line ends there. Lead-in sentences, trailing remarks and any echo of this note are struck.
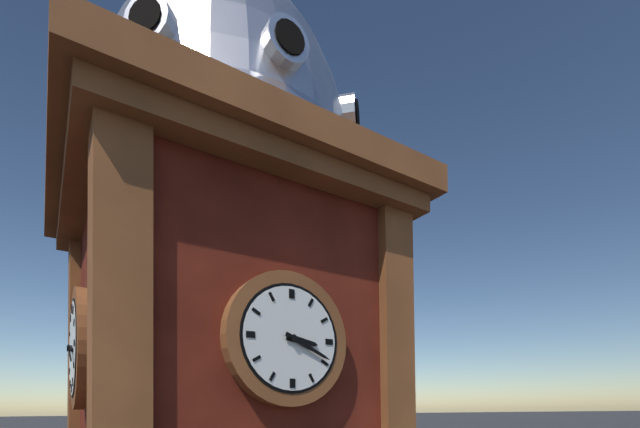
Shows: 3:19
